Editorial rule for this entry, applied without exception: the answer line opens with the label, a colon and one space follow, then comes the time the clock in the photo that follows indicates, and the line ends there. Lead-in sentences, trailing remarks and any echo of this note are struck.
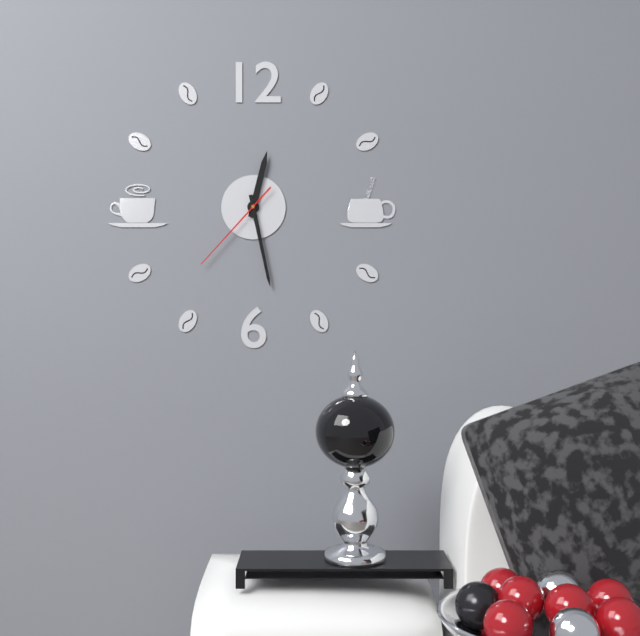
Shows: 12:28:37
